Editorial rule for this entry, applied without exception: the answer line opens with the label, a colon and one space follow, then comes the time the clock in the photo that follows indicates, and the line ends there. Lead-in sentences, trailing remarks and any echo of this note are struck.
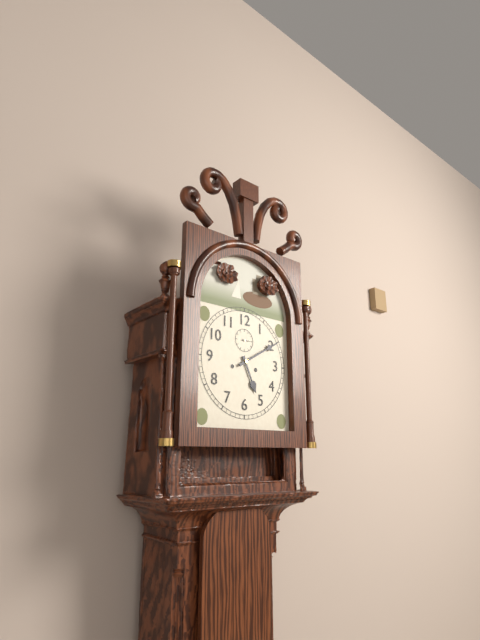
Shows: 5:10
